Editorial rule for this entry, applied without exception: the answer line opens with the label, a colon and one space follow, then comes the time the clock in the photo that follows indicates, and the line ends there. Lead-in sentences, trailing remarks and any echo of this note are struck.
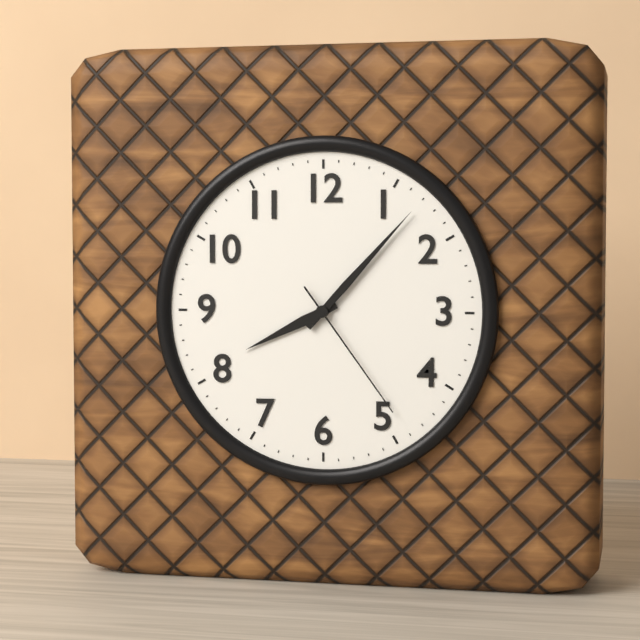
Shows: 8:07:24
